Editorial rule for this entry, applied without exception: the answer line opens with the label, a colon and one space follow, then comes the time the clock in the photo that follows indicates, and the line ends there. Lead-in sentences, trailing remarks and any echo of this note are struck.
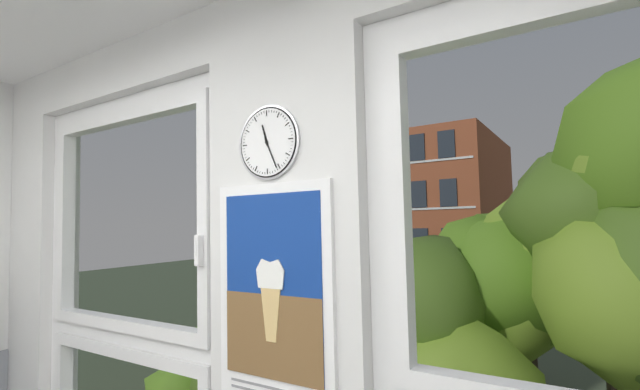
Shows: 11:26
